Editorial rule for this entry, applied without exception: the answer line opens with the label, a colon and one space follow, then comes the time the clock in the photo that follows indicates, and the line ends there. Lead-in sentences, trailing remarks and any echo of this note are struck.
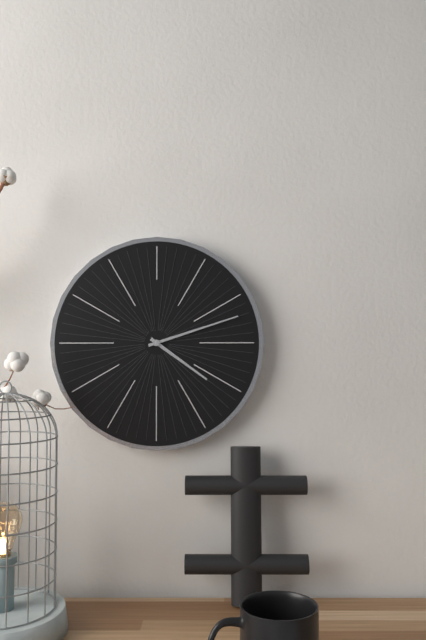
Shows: 4:12
